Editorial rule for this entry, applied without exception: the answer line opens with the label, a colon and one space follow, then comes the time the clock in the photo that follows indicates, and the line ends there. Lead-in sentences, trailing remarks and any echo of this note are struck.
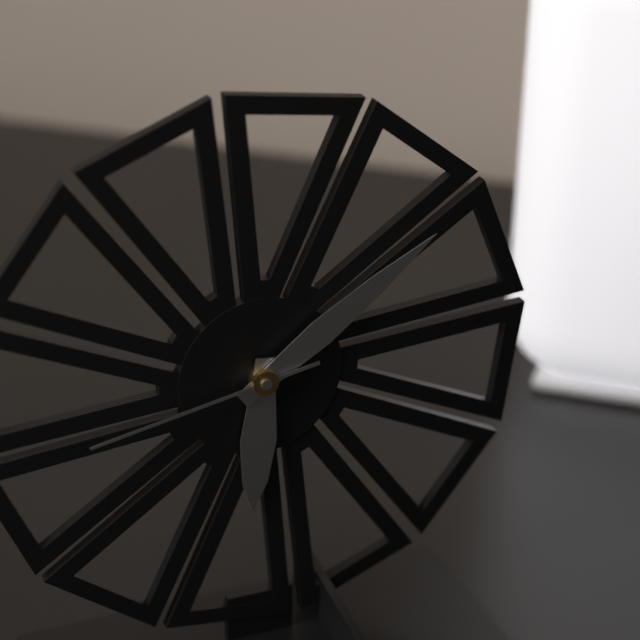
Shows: 6:09:43
